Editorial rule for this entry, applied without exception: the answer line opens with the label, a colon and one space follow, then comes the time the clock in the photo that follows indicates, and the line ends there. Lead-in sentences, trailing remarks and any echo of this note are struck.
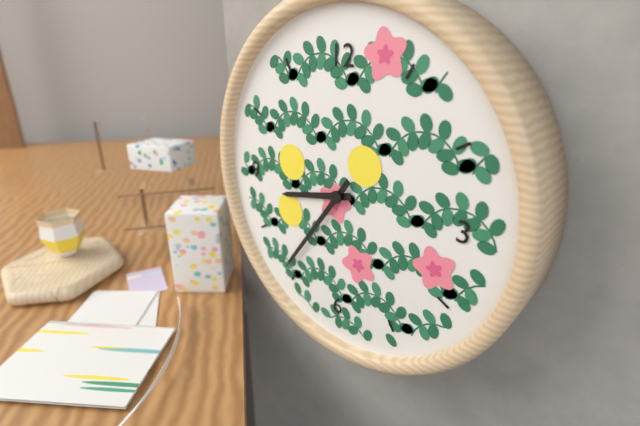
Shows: 8:36
